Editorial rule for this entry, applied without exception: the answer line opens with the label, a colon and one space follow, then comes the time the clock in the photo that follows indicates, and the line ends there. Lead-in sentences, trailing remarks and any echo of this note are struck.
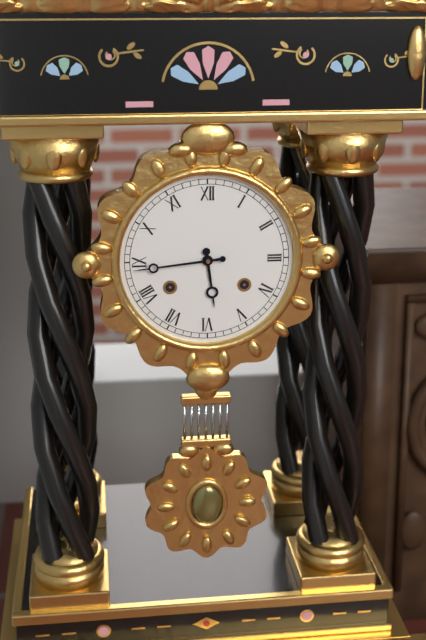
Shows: 5:44
